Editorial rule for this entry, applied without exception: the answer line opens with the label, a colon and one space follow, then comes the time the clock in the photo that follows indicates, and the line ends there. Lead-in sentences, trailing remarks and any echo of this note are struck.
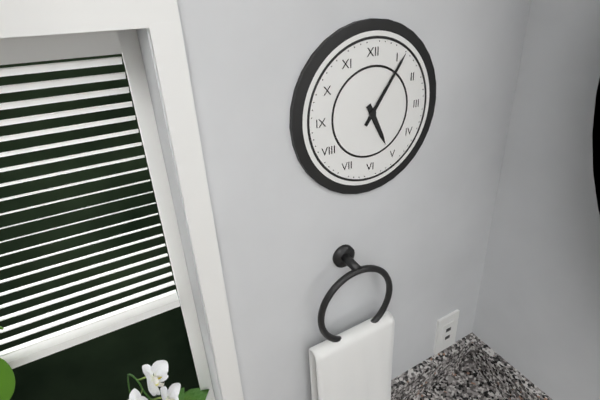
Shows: 5:06
